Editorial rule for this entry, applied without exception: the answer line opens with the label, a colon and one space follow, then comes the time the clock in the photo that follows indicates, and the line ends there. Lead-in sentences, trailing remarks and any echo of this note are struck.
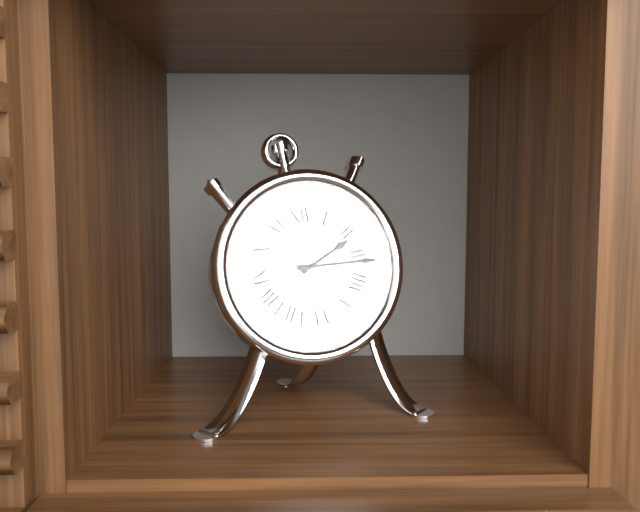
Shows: 2:16
